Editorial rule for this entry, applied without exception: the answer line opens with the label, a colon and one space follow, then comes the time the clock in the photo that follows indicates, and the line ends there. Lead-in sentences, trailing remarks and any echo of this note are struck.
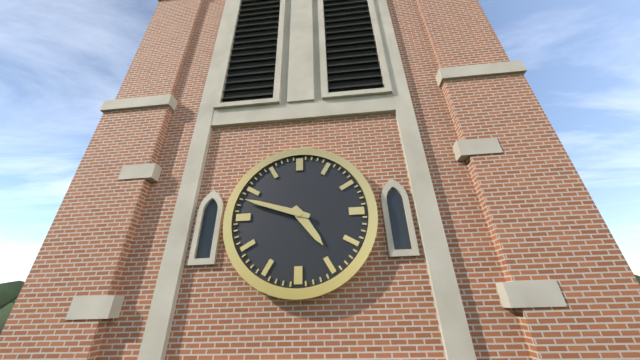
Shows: 4:48
